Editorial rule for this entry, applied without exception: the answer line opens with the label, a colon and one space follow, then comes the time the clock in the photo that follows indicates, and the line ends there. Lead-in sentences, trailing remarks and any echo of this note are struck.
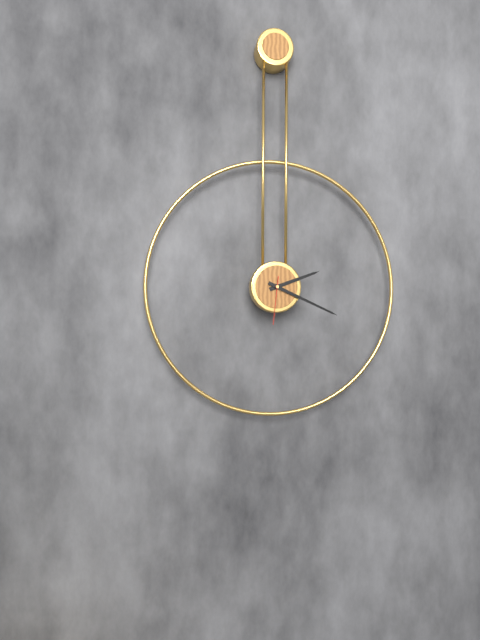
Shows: 2:19
